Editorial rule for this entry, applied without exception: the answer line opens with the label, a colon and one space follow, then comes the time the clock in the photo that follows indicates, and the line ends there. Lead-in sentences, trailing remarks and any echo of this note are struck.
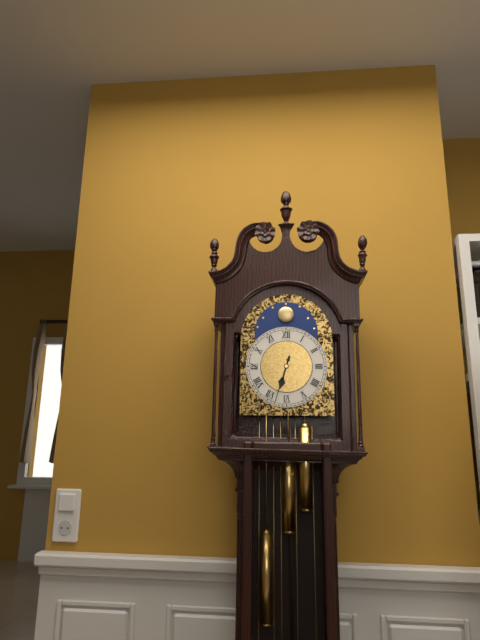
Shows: 6:33
